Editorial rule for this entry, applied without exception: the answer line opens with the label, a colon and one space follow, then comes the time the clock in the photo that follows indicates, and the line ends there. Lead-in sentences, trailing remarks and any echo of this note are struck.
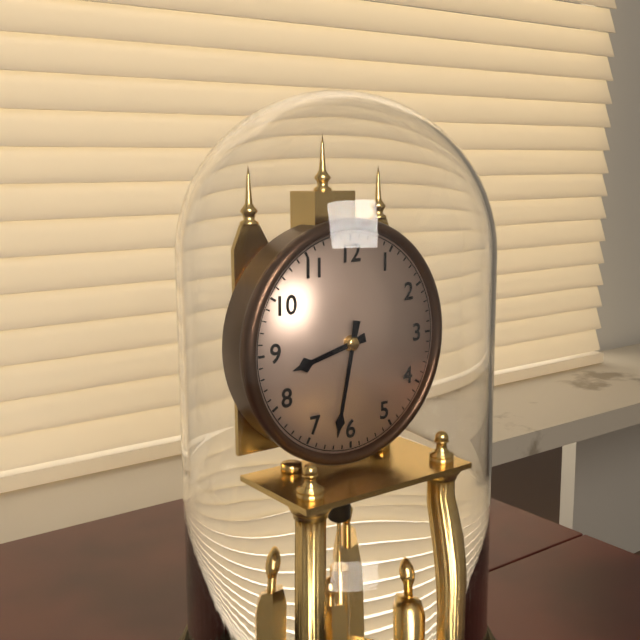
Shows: 8:32
